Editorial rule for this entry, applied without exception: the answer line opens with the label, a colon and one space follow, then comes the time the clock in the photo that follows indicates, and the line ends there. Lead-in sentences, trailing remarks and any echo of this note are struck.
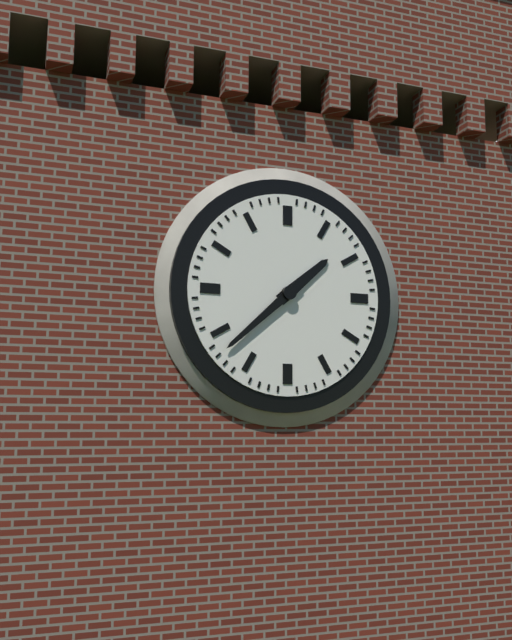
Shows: 1:38
